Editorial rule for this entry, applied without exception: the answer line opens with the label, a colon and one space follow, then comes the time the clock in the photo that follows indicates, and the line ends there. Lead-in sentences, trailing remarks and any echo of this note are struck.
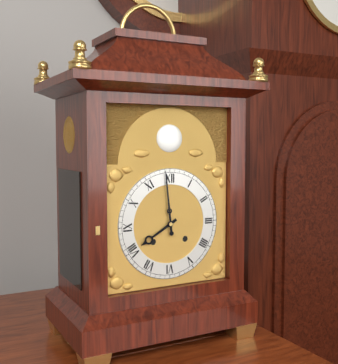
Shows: 7:59
